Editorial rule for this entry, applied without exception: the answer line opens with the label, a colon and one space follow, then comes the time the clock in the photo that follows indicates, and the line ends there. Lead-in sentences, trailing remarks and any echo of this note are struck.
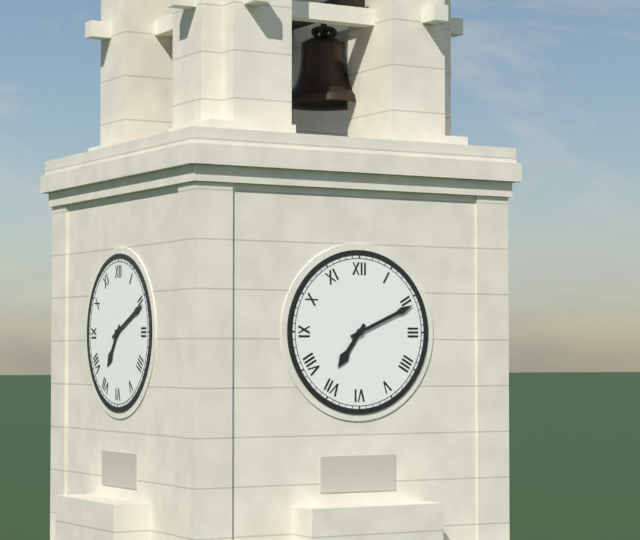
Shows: 7:11
